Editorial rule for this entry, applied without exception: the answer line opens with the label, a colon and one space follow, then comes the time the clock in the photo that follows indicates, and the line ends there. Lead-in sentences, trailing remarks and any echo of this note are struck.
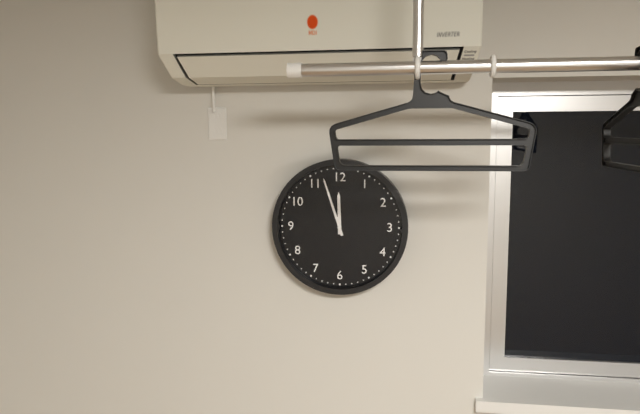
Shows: 11:57
